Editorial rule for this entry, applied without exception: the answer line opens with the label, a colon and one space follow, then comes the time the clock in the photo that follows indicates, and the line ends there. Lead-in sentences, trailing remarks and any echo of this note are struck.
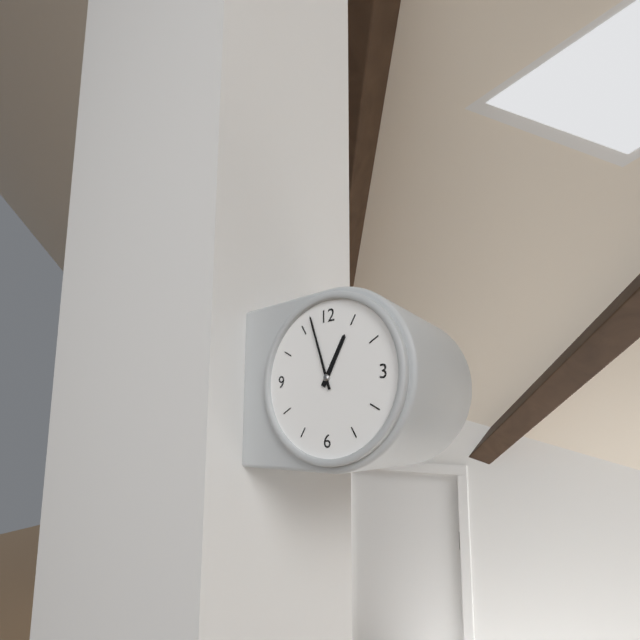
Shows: 12:57
